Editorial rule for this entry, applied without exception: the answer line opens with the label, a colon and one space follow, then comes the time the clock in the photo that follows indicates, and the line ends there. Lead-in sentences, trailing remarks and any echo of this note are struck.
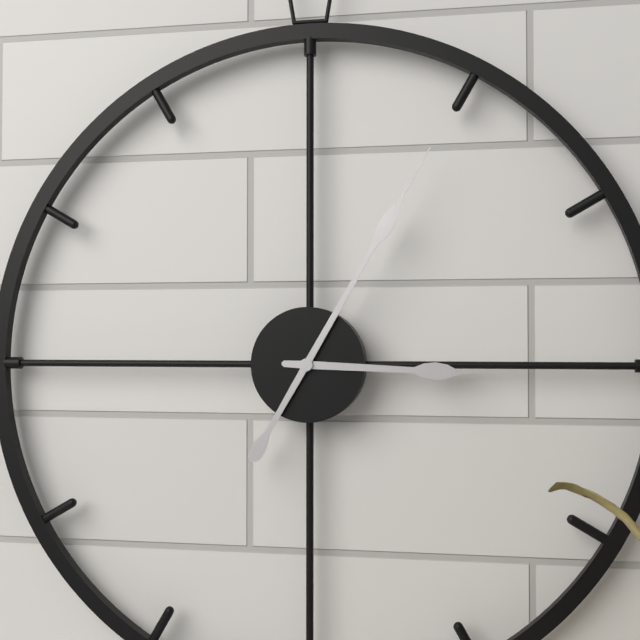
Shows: 3:05
